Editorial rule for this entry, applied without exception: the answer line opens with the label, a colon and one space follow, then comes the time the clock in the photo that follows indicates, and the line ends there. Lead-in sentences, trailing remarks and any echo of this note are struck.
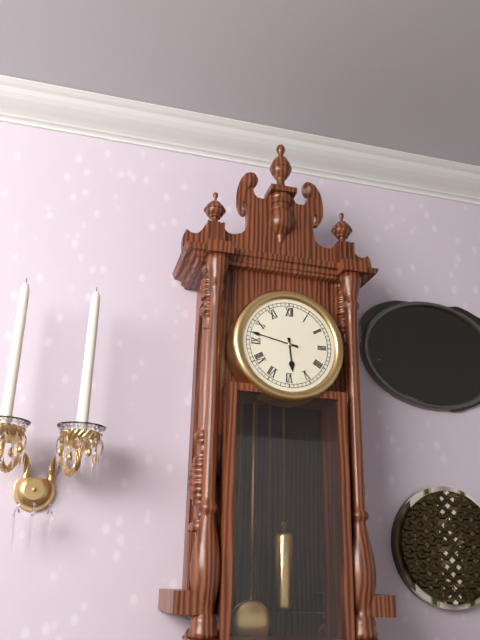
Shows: 5:47
